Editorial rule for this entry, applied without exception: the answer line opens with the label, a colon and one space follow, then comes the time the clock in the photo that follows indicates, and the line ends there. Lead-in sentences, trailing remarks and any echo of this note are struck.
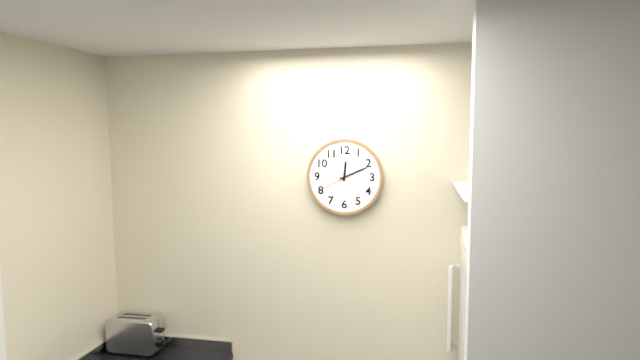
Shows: 12:11
